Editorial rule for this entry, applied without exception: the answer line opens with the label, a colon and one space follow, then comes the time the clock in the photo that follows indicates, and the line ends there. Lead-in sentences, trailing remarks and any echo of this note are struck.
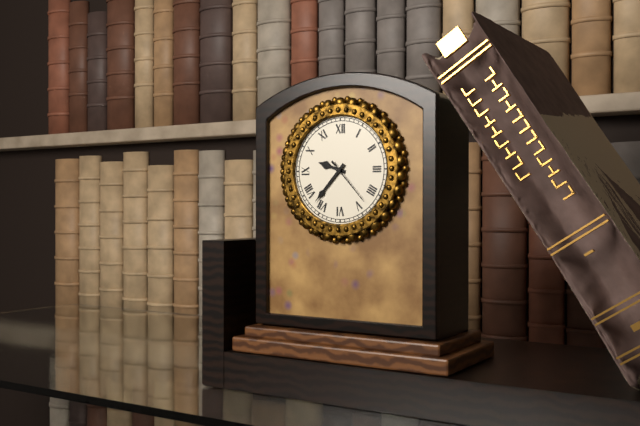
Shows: 9:37:23
